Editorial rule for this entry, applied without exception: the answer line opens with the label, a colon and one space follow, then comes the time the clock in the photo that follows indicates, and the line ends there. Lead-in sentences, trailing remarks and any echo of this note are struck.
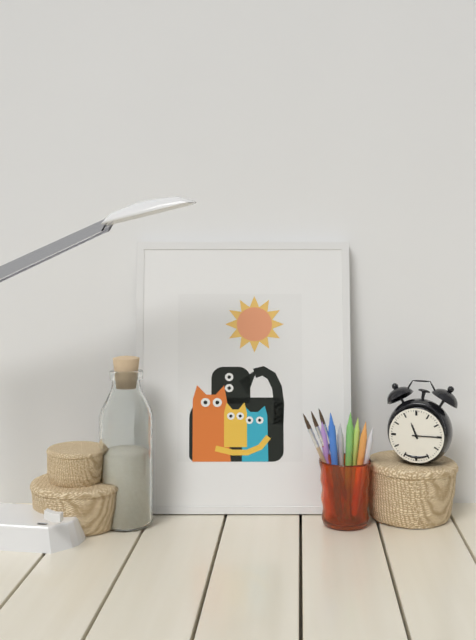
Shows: 11:15
